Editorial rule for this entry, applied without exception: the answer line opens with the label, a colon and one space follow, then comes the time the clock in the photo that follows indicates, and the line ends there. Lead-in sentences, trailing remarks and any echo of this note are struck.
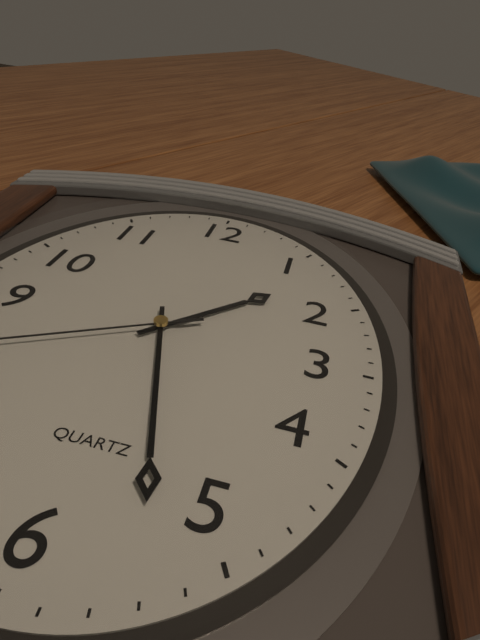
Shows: 1:27
